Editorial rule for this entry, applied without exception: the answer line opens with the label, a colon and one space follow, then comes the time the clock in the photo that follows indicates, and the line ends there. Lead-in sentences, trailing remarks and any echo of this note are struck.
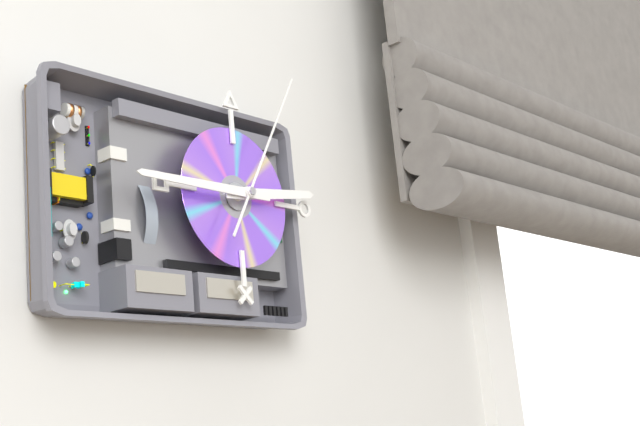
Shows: 2:45:05
